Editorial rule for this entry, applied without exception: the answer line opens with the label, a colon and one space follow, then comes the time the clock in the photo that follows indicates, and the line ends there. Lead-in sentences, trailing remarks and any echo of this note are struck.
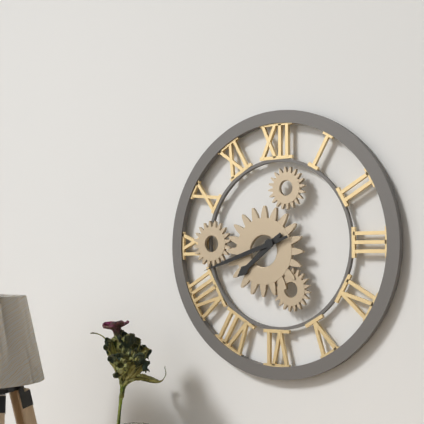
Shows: 7:42
